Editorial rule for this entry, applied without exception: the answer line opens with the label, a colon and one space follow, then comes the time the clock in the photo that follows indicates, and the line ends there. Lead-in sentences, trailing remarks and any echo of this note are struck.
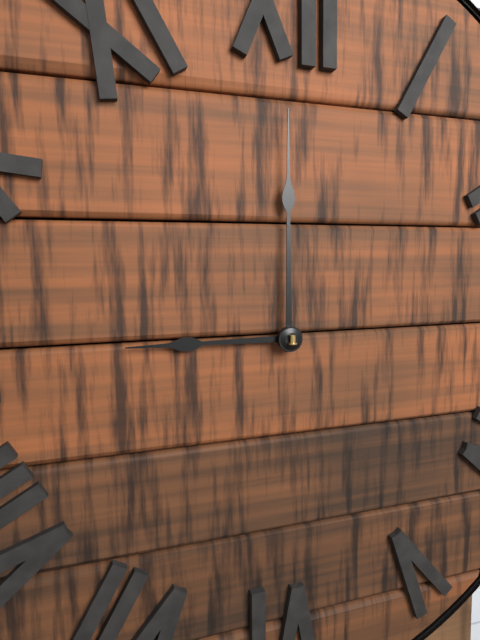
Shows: 9:00
